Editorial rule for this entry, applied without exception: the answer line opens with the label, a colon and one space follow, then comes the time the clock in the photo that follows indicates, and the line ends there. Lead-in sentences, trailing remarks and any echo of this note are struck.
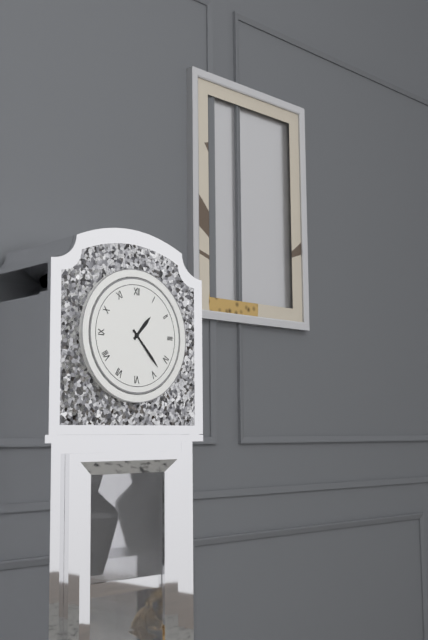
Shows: 1:23
